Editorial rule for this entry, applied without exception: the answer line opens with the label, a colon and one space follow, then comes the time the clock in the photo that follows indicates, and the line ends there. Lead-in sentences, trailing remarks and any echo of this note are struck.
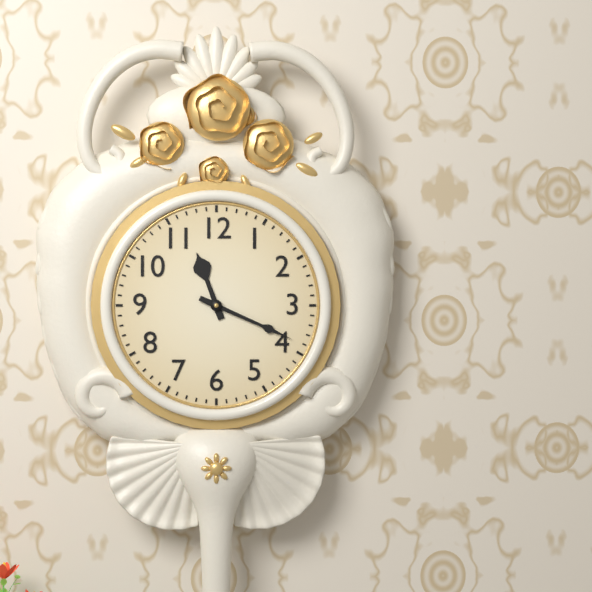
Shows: 11:19
